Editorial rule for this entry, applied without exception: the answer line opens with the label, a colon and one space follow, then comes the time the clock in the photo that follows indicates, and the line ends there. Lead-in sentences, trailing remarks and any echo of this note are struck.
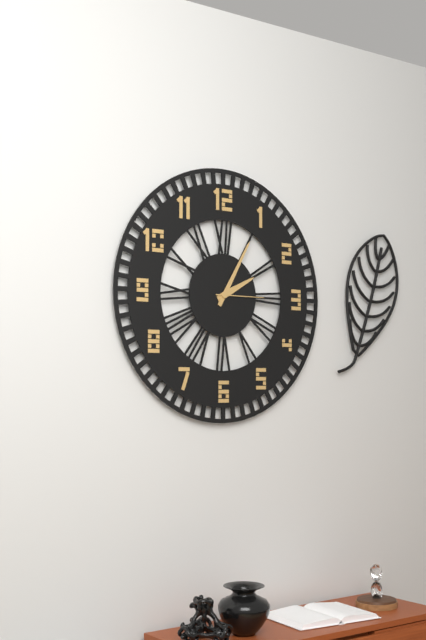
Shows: 2:05:15
